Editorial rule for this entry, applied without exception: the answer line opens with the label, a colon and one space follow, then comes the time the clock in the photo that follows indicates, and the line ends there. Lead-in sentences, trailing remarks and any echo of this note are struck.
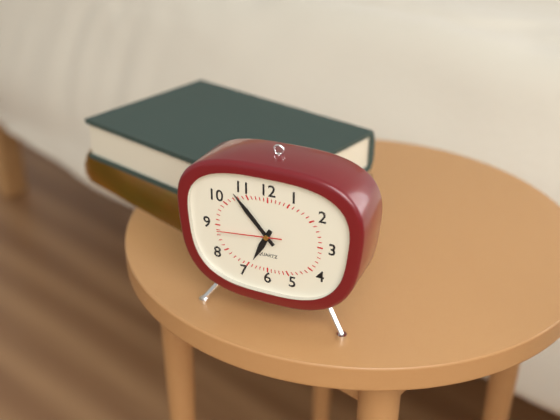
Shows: 6:53:44
